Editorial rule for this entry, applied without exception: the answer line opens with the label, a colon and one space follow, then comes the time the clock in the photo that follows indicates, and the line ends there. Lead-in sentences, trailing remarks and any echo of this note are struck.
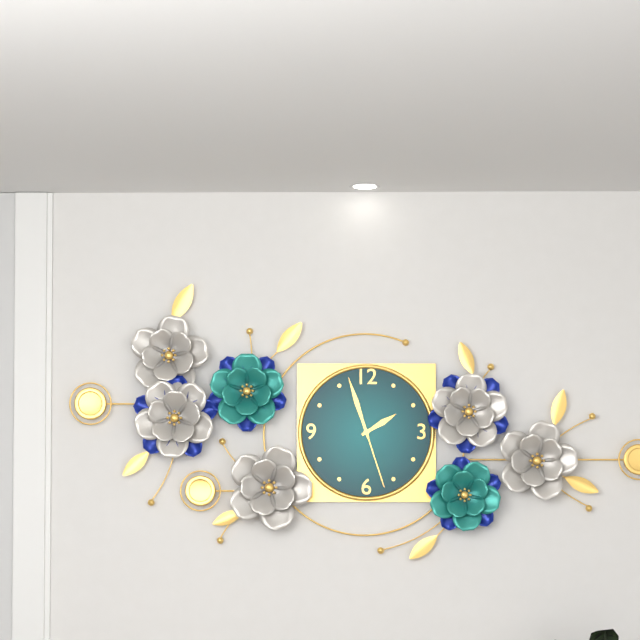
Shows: 1:57:27
